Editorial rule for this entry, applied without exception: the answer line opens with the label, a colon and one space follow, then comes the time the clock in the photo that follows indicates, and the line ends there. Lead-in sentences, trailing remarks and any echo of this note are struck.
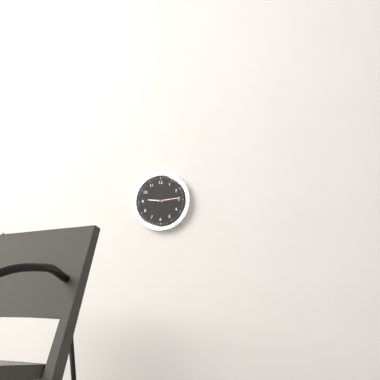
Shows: 9:14
